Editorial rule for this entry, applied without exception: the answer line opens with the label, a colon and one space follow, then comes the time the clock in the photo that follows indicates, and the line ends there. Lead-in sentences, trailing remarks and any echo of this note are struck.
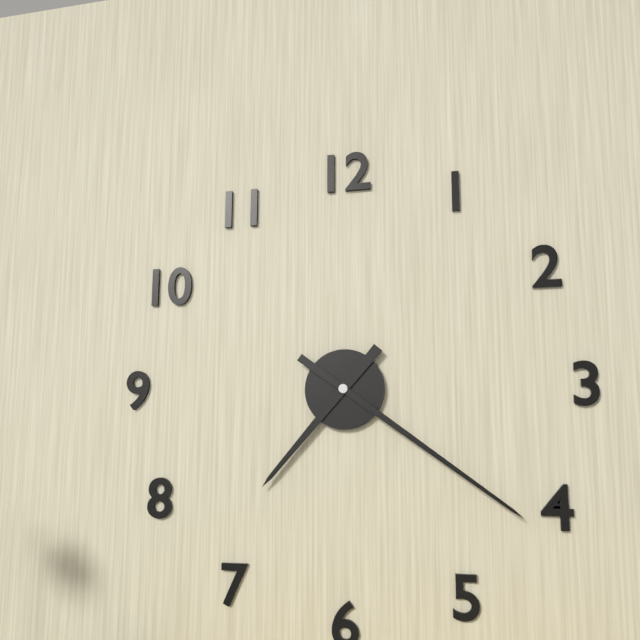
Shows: 7:21
